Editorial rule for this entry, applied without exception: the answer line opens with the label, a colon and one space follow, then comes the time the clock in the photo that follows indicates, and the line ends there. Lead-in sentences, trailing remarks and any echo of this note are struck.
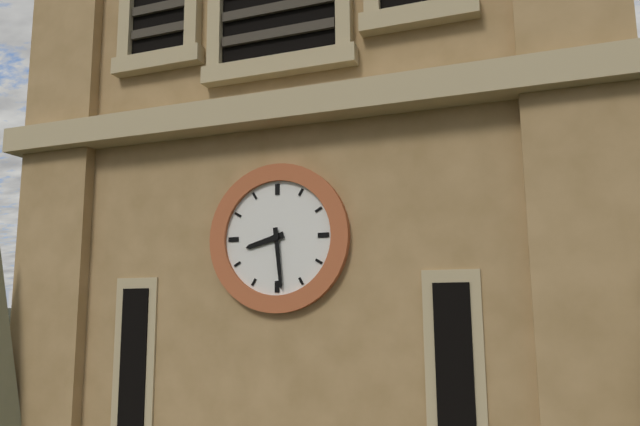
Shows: 8:29
